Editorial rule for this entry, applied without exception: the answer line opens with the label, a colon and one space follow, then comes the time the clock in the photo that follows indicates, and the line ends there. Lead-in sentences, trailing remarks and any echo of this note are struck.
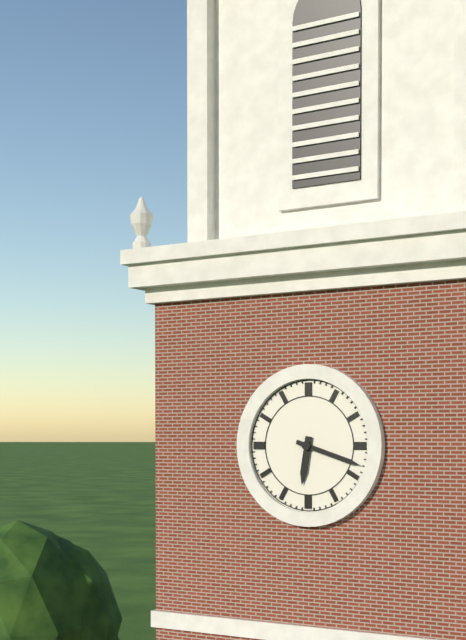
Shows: 6:18
